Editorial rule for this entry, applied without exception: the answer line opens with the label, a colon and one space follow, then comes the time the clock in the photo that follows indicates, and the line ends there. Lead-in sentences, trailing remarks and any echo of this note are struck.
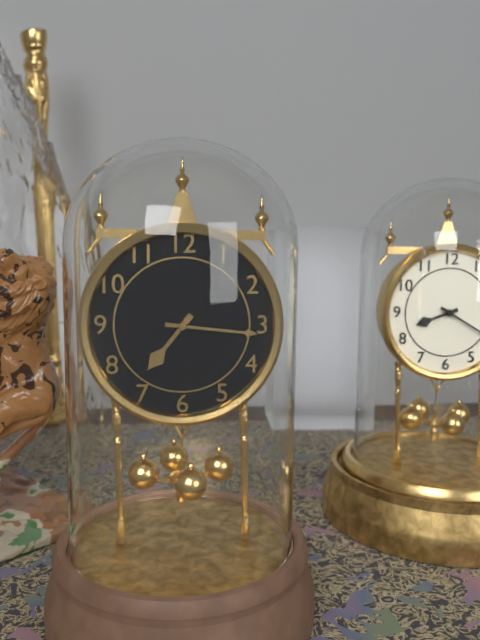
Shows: 7:16
